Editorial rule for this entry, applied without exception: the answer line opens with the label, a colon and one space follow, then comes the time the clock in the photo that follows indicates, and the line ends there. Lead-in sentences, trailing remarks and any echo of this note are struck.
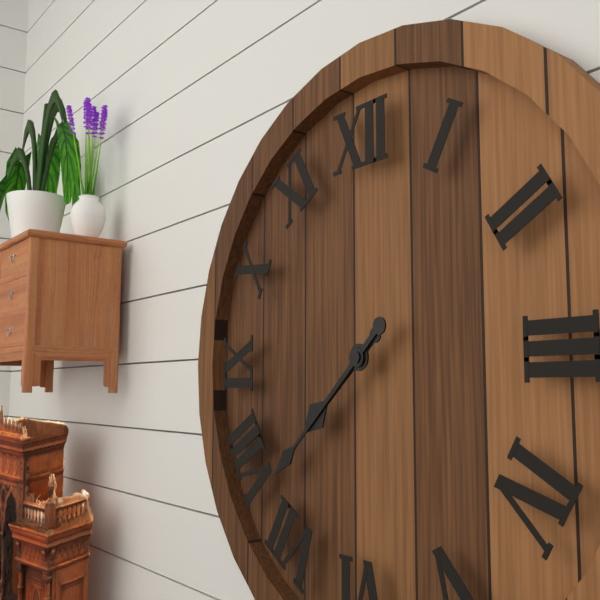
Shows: 7:38
